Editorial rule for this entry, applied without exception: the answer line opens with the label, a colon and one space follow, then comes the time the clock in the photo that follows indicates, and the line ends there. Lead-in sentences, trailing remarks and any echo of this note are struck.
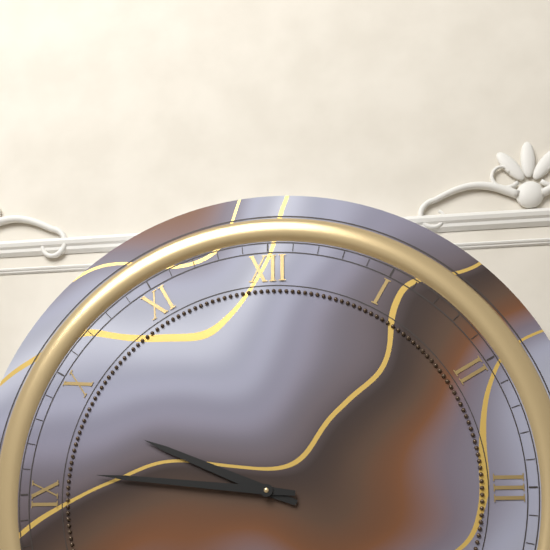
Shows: 9:46
